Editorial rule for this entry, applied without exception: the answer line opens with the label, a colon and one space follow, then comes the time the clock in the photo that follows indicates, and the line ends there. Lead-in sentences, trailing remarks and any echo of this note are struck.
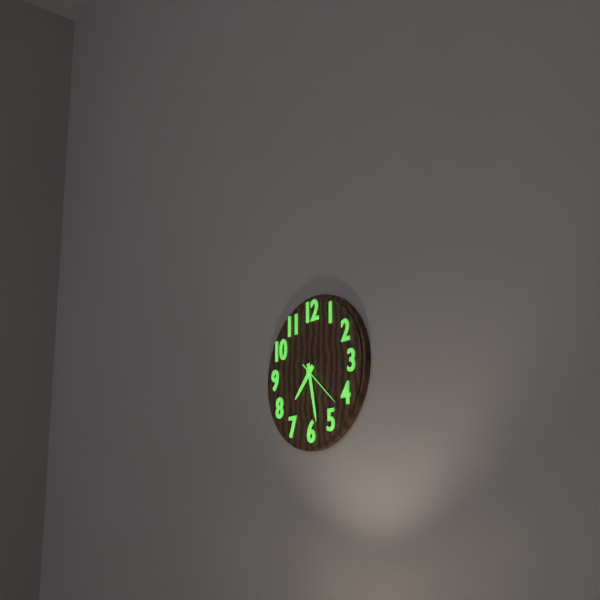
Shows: 7:28:22
